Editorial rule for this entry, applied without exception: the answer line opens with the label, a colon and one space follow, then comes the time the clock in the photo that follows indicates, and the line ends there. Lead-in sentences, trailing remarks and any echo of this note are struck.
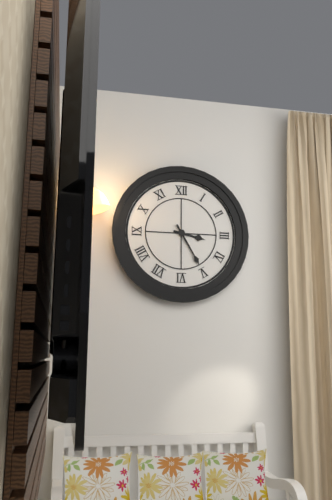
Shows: 3:25
